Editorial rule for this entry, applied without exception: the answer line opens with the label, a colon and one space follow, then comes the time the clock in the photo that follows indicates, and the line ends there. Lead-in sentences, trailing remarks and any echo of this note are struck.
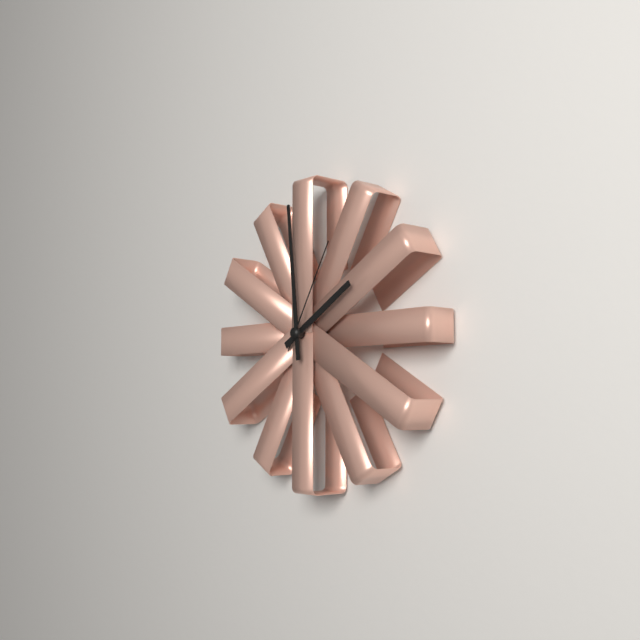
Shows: 1:59:05
